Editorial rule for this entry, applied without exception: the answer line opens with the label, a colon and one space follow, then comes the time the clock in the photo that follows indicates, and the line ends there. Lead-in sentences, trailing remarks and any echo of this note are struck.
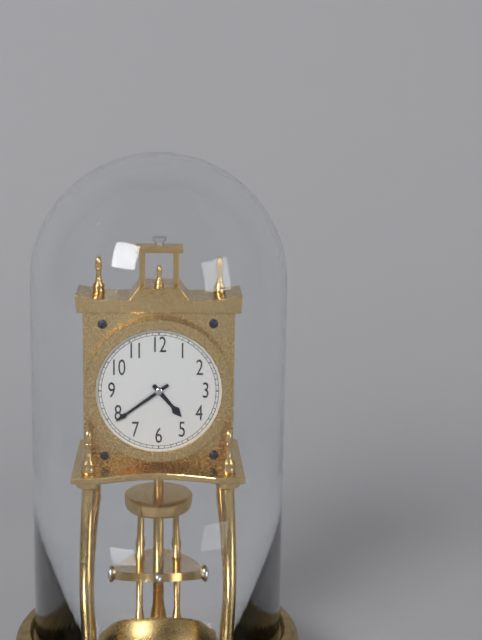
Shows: 4:39
